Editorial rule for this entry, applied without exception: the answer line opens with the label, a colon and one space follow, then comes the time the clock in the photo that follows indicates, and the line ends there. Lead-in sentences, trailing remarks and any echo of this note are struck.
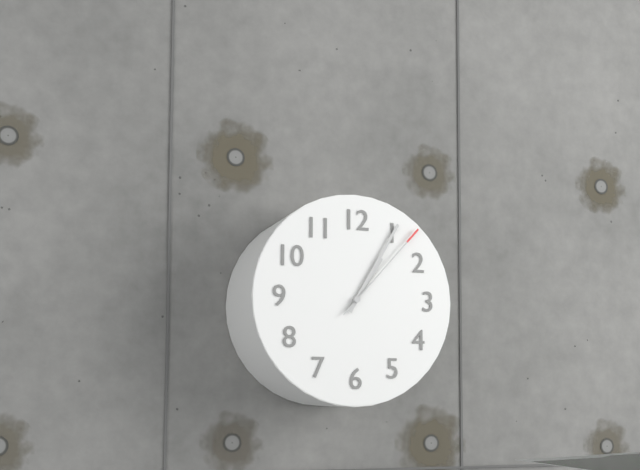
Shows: 1:05:07
